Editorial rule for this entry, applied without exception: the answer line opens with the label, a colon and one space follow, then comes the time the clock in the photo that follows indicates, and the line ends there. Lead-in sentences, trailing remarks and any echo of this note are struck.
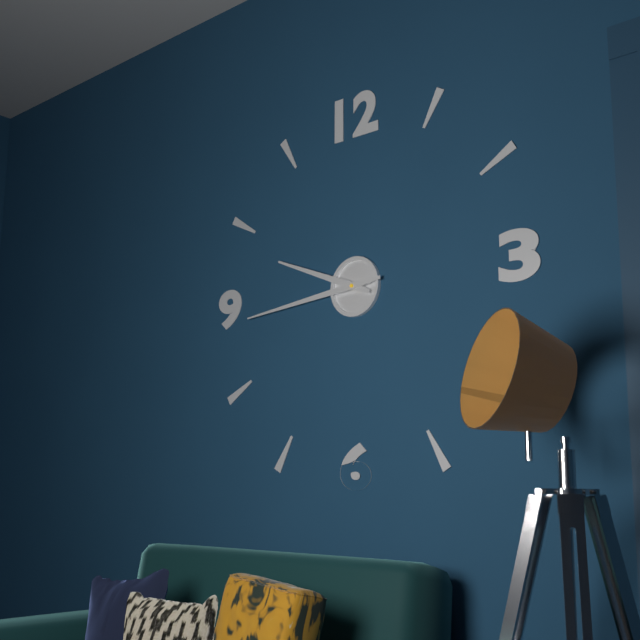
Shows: 9:44
